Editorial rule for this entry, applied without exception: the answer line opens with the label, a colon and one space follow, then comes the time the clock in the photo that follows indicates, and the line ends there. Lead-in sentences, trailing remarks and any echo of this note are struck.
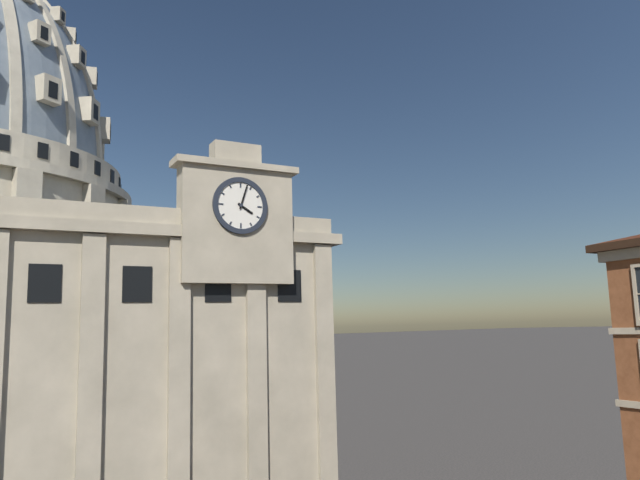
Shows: 4:03
